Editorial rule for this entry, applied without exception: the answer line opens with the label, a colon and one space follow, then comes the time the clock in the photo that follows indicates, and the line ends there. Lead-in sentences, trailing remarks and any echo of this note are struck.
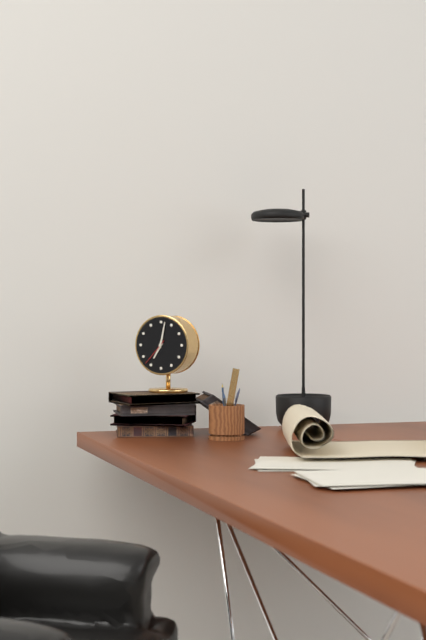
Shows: 7:02
